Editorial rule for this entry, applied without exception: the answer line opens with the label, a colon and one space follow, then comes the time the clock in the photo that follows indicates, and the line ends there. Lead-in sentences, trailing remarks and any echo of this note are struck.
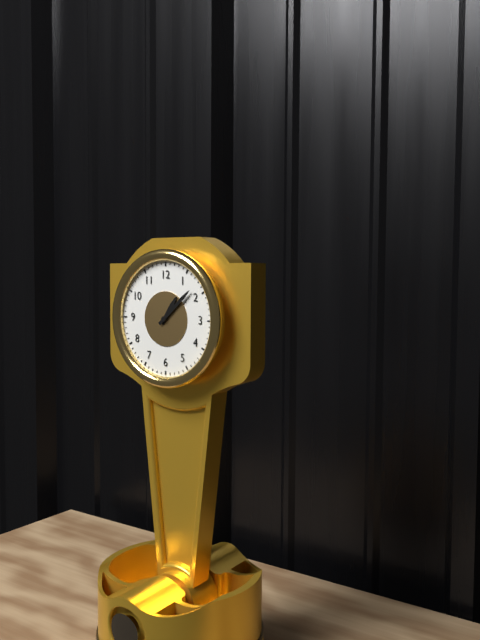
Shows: 1:08
